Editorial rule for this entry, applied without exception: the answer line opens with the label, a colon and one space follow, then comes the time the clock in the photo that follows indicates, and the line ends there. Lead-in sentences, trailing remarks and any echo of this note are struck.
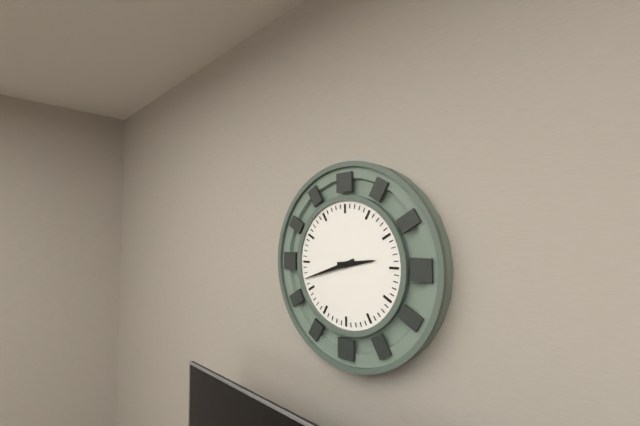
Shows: 2:42
